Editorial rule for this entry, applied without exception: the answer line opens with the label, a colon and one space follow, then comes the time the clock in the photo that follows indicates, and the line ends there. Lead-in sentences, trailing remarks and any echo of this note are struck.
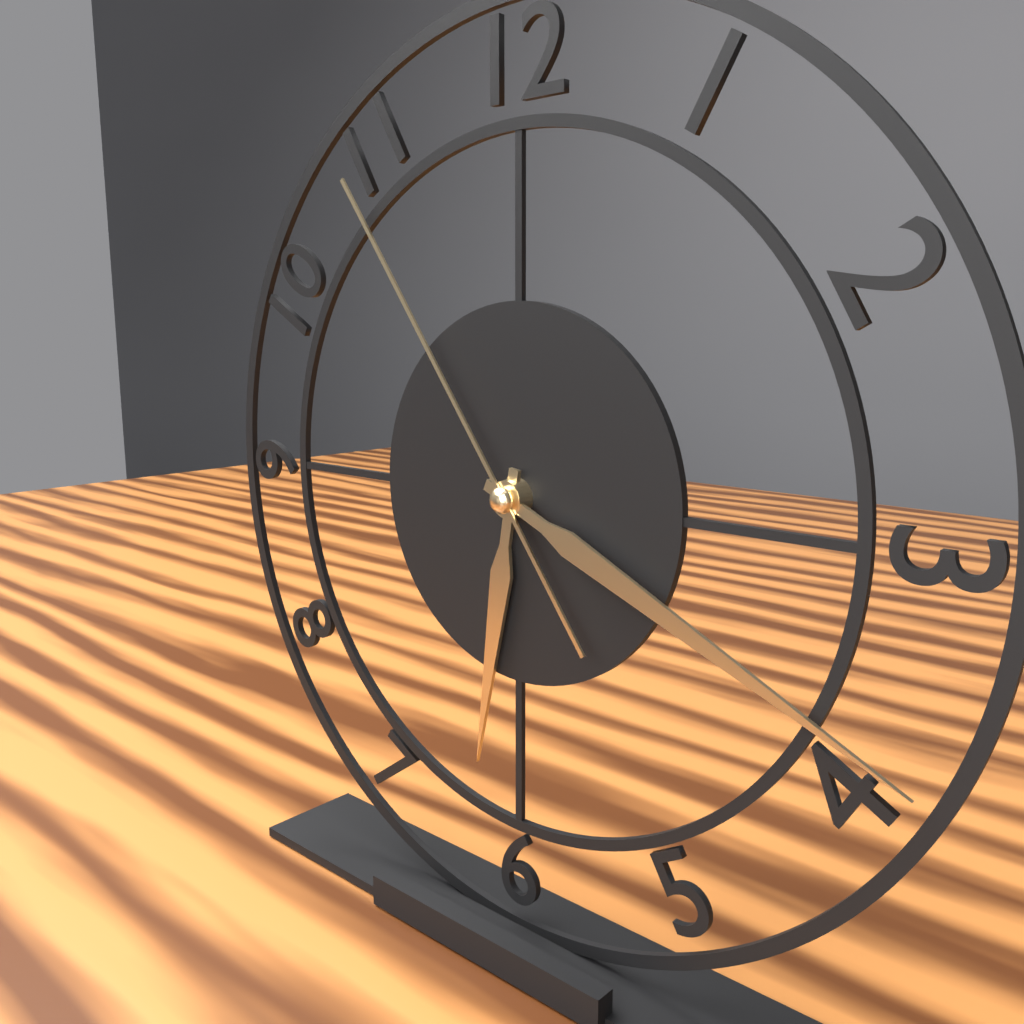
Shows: 6:19:54
